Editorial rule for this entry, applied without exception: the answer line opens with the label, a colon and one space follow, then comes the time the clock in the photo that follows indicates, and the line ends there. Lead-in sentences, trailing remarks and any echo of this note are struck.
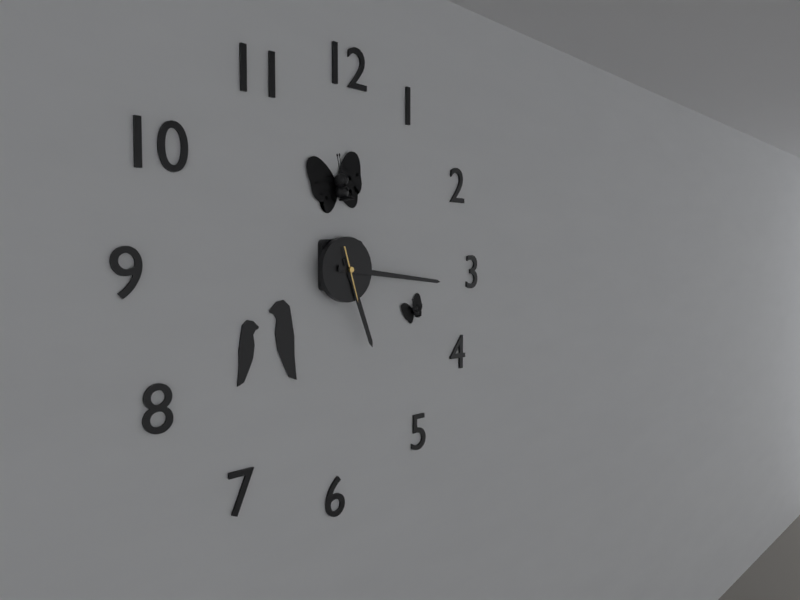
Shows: 5:16
